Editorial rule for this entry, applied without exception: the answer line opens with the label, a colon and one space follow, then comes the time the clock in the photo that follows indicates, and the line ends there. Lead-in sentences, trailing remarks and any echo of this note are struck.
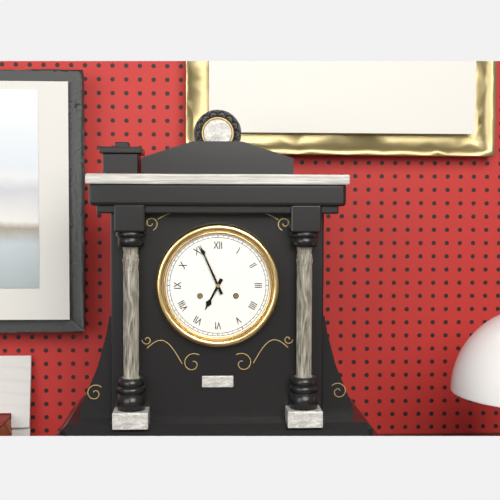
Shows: 6:56
